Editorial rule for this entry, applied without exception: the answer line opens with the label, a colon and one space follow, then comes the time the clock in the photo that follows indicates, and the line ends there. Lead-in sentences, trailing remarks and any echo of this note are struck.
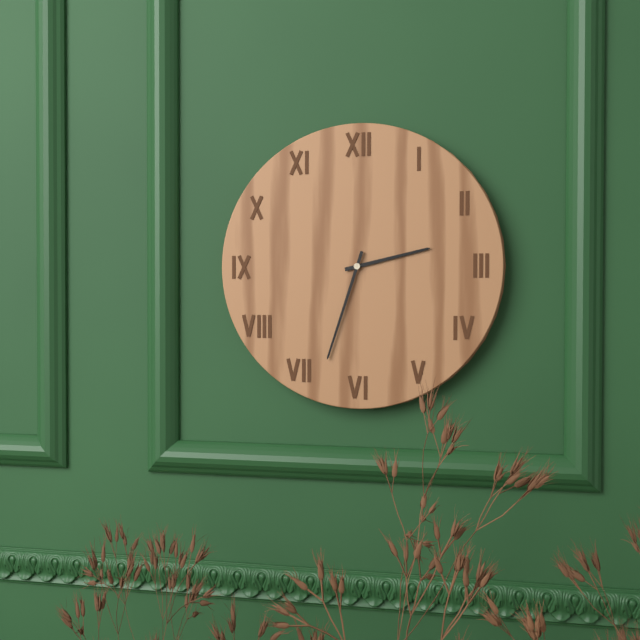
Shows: 2:33
